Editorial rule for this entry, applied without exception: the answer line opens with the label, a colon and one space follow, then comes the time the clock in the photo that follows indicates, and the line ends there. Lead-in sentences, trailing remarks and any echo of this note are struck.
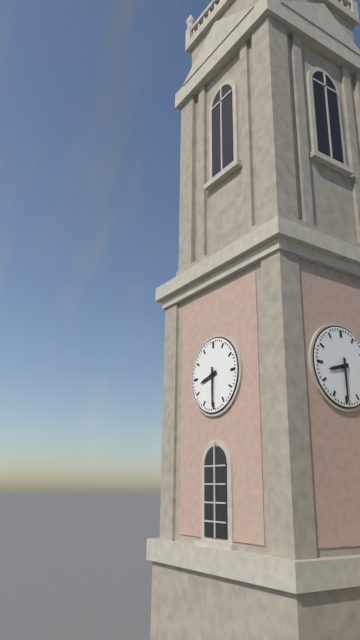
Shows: 8:30
